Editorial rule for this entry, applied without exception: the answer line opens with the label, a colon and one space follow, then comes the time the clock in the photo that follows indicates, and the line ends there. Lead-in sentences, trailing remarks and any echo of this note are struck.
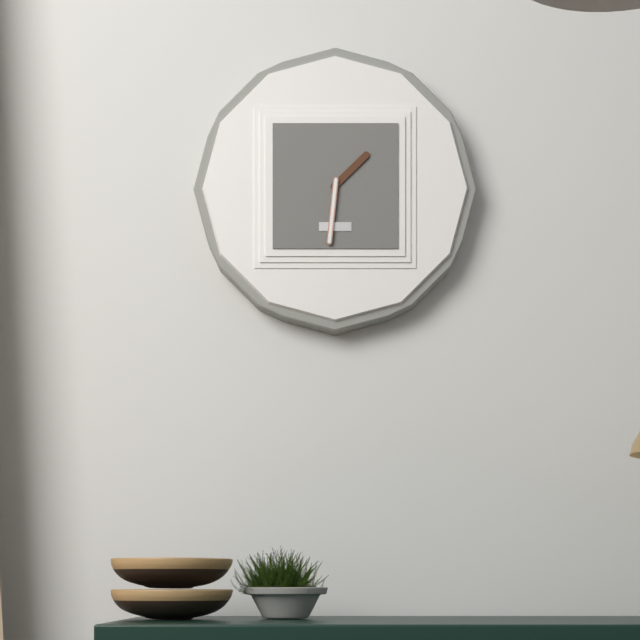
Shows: 1:31
